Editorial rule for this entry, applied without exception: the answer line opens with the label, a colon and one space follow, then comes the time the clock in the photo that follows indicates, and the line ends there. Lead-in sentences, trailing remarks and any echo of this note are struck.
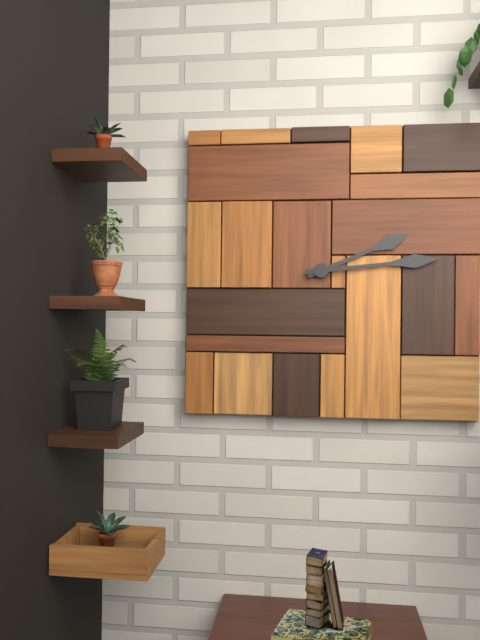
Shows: 2:14
